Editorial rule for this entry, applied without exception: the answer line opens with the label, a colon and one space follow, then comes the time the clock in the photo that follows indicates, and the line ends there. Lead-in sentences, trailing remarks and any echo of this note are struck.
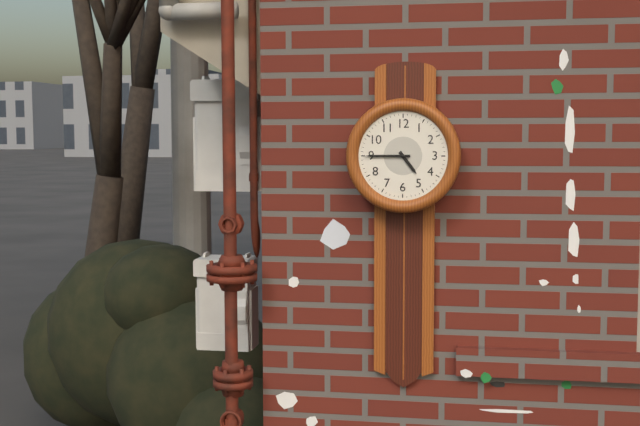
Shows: 4:45
